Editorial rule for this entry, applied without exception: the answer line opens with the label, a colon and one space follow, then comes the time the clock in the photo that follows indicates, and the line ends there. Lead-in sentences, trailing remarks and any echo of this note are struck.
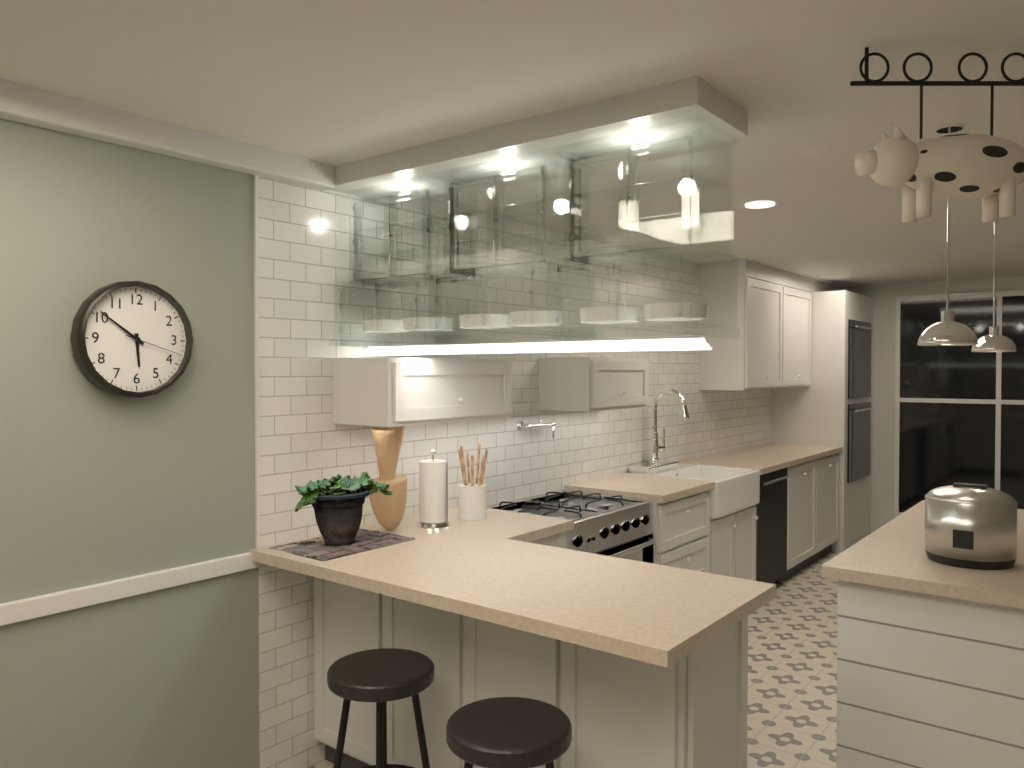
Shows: 5:51:18
